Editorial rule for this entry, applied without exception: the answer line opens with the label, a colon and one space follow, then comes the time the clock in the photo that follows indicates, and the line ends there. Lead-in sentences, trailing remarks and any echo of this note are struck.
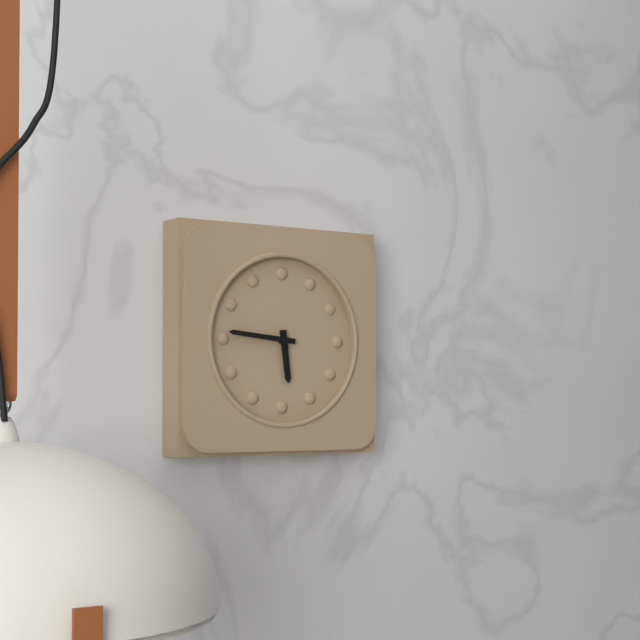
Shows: 5:46
